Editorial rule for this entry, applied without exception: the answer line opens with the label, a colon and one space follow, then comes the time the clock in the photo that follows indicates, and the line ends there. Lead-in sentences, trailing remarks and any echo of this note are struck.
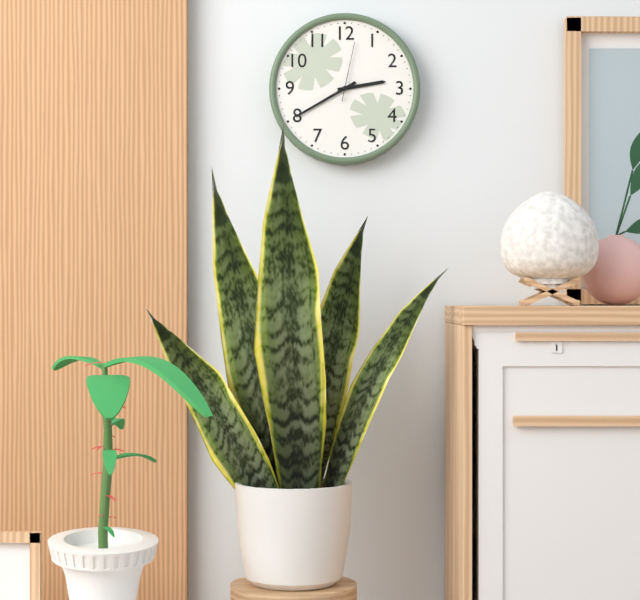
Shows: 2:40:02
